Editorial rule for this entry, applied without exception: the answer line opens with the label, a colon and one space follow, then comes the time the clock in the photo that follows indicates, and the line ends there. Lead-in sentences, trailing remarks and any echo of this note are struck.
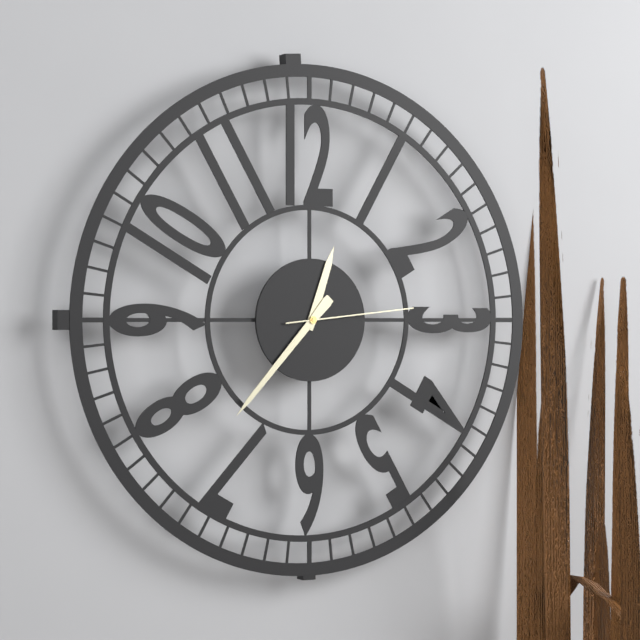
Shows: 12:37:14
